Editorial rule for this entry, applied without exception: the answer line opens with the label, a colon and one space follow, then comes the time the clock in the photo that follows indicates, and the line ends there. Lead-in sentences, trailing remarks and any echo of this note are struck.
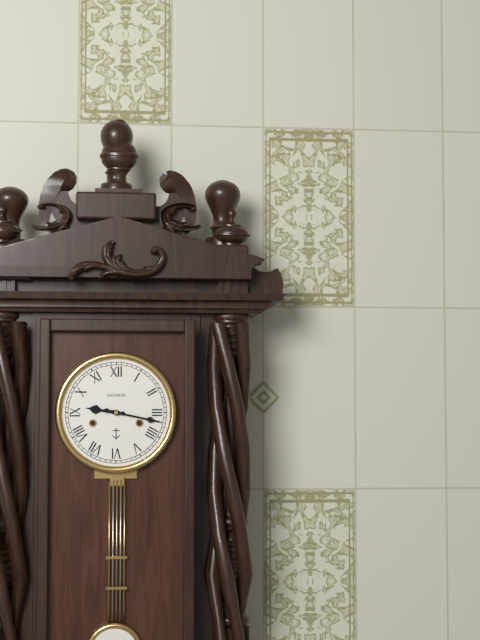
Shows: 9:17
